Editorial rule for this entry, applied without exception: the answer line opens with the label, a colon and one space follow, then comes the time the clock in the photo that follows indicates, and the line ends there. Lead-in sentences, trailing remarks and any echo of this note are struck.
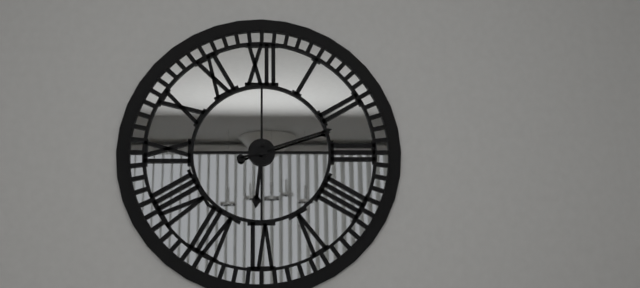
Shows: 6:12
